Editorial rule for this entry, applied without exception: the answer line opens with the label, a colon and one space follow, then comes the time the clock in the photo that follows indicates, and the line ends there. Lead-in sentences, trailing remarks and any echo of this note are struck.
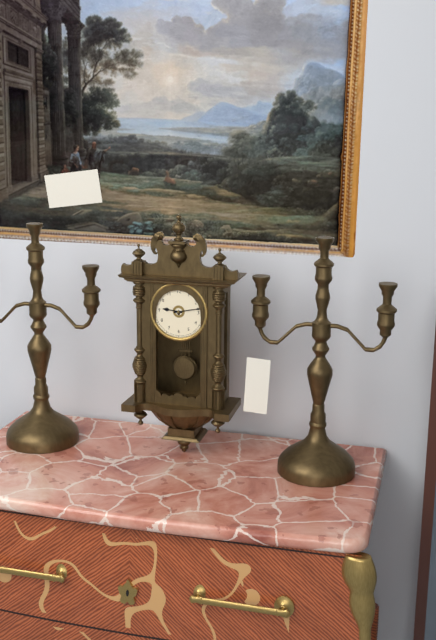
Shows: 9:13
